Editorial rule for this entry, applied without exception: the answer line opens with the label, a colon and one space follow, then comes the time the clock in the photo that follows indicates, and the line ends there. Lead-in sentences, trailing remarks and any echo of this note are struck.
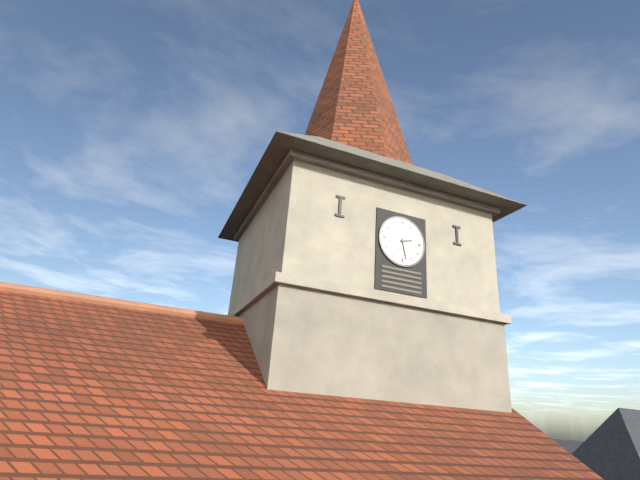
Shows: 2:28
